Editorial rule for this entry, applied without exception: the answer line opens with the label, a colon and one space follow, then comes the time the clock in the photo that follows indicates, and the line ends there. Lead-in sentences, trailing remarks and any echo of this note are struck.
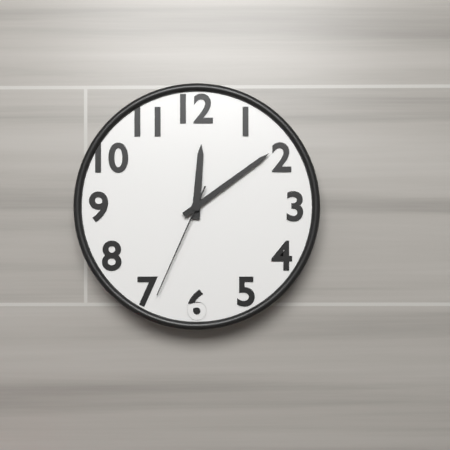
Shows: 12:09:34
